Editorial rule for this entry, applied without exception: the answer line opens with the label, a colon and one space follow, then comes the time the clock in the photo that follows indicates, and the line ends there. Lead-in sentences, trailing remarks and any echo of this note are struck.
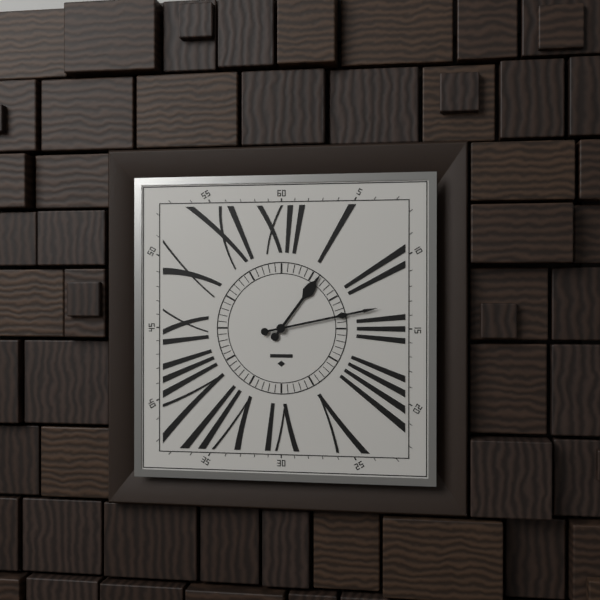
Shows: 1:13
